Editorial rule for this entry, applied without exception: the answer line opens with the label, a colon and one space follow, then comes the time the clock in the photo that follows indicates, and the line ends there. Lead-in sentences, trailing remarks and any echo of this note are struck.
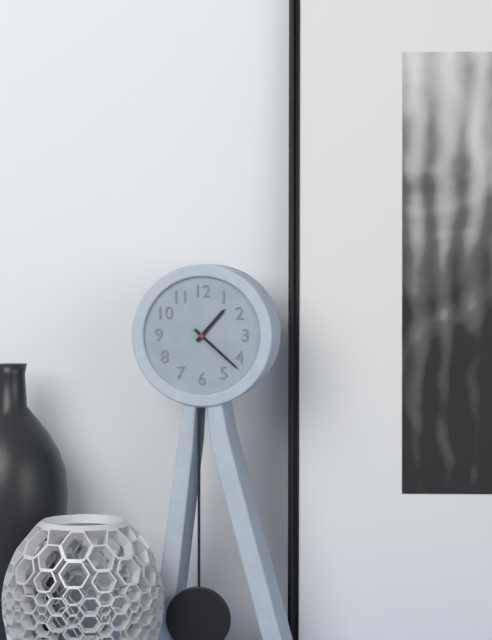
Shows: 1:22
